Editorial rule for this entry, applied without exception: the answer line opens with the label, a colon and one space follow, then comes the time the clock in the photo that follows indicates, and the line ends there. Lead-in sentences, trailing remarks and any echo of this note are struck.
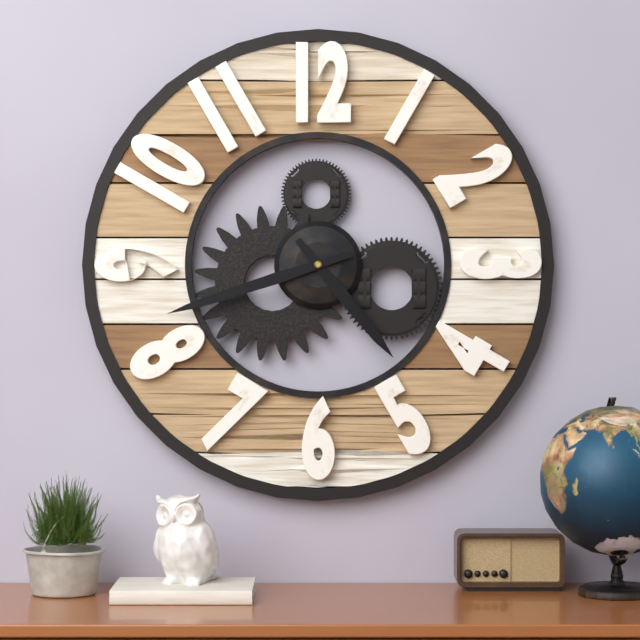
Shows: 4:42
